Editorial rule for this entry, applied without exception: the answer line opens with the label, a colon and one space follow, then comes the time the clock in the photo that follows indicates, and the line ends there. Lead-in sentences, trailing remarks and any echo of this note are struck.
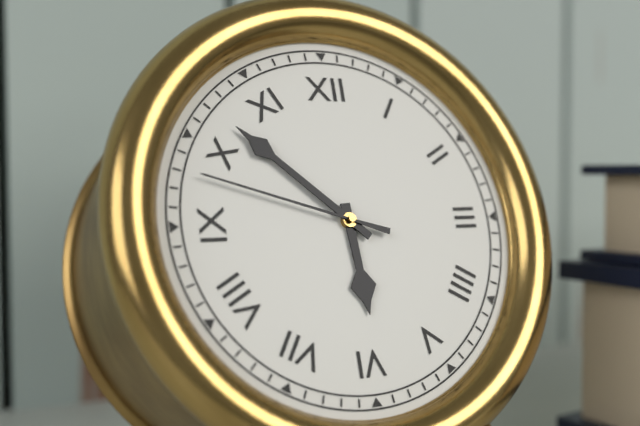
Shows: 5:52:48
